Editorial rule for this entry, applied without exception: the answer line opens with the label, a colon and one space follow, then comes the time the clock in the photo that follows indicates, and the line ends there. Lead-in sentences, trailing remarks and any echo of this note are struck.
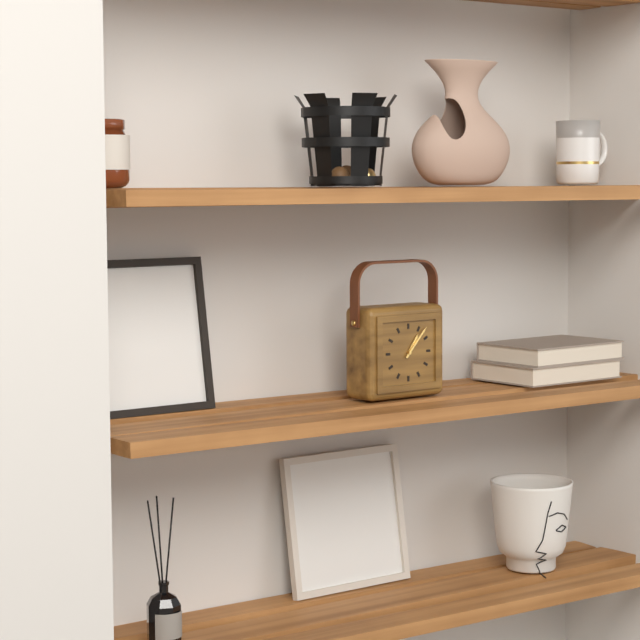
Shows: 1:07
